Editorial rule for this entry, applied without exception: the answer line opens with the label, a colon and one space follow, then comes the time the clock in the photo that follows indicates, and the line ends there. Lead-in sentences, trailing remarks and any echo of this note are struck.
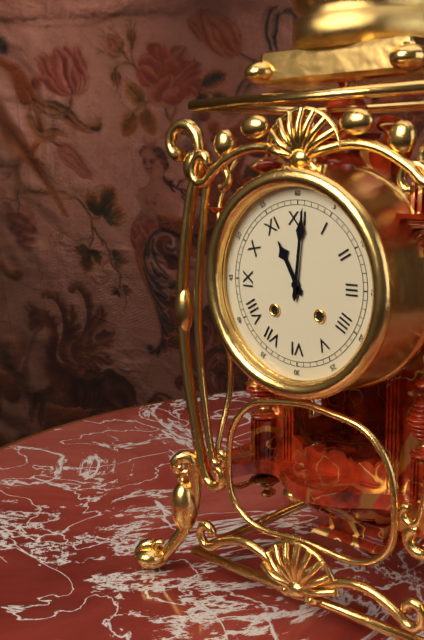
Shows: 11:01
